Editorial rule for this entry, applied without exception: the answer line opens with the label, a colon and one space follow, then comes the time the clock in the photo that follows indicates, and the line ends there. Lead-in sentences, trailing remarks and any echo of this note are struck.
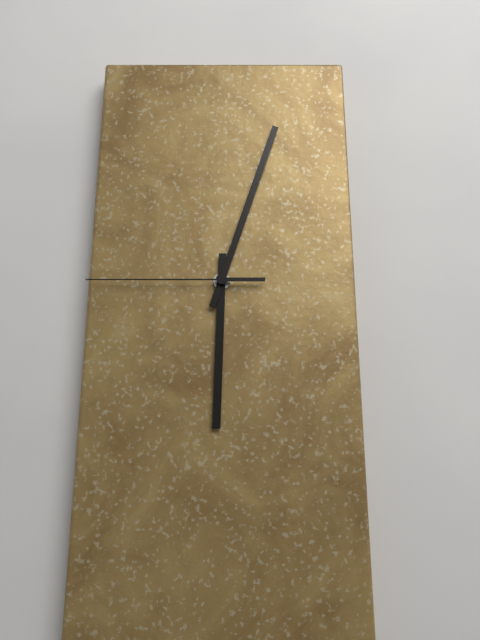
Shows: 6:03:45
